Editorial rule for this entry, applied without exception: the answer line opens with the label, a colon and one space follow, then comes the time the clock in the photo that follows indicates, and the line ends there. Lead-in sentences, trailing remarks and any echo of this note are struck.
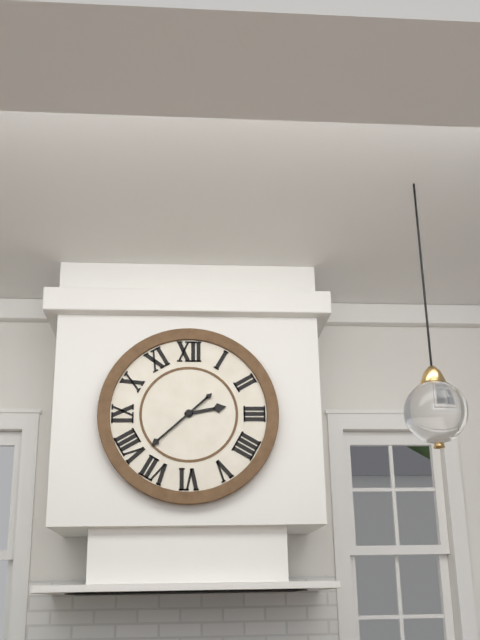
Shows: 2:38
